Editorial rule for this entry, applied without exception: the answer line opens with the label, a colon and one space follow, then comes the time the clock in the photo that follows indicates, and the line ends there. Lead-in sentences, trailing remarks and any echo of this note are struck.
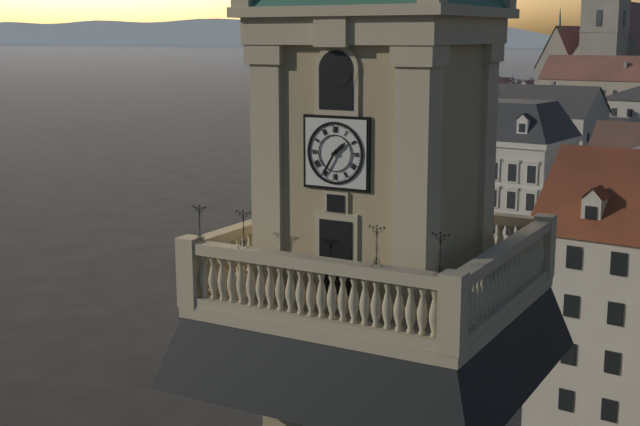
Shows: 1:35
